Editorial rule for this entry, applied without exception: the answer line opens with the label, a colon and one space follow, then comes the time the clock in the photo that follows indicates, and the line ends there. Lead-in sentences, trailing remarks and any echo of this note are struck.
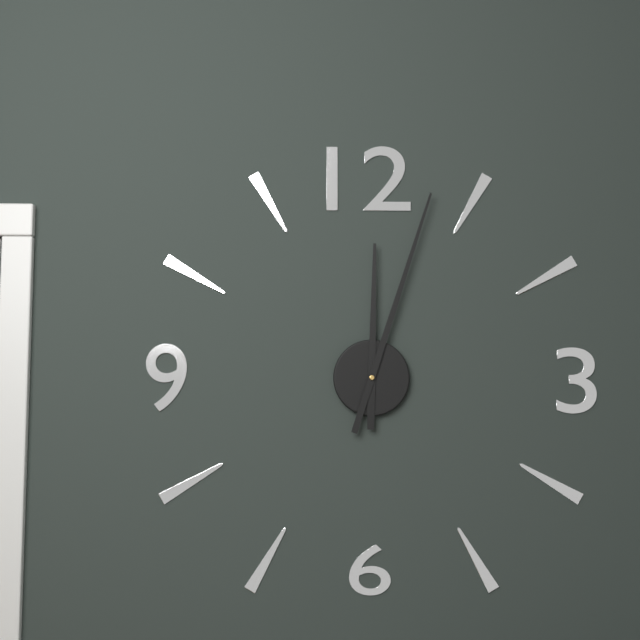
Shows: 12:03
